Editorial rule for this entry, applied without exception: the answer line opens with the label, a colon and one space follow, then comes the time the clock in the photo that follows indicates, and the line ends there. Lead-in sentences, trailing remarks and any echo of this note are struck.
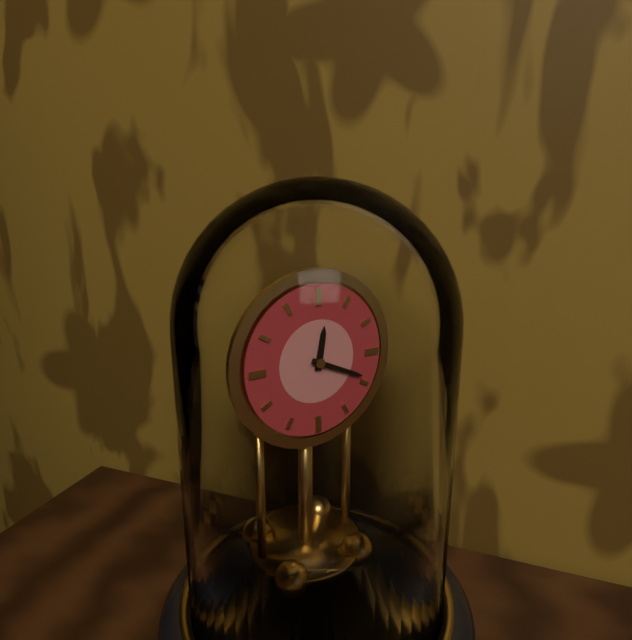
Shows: 12:19
